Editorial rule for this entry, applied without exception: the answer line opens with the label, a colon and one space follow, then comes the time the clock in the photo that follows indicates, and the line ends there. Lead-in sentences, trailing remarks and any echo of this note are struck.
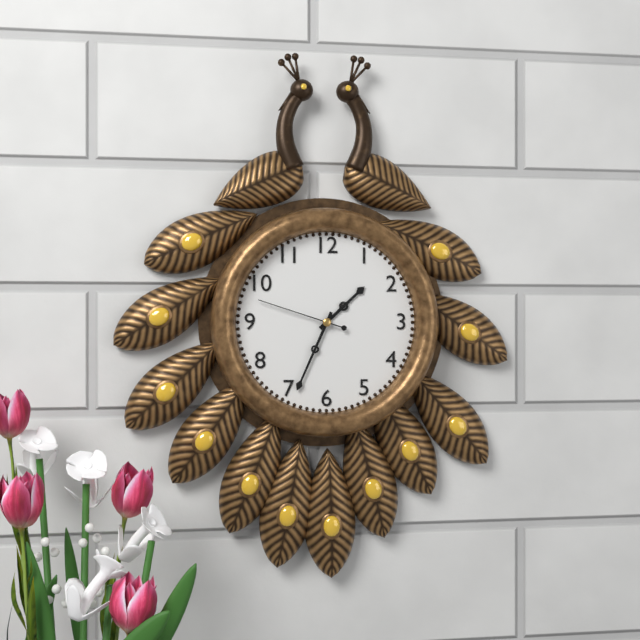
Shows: 1:34:48
